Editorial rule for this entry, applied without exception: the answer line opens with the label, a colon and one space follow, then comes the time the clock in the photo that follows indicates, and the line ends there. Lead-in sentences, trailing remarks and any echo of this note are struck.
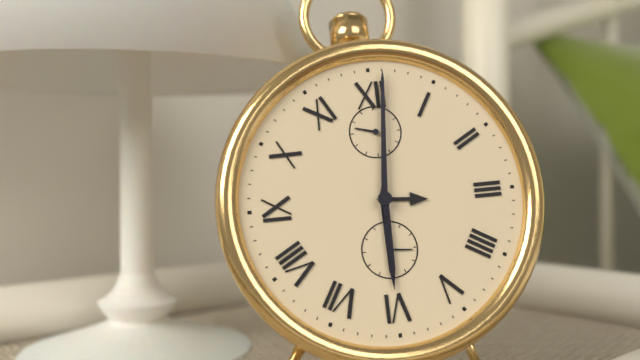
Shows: 6:01
